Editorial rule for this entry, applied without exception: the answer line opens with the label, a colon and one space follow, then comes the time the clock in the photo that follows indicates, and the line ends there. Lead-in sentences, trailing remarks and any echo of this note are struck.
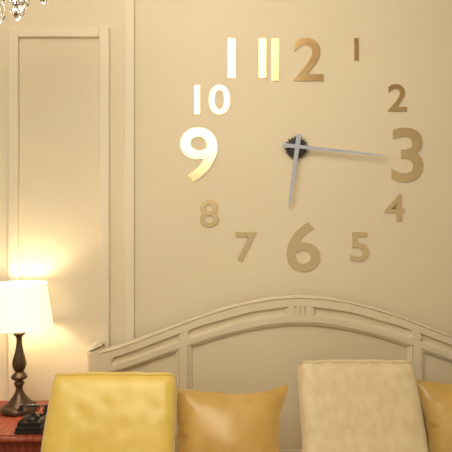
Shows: 6:16
